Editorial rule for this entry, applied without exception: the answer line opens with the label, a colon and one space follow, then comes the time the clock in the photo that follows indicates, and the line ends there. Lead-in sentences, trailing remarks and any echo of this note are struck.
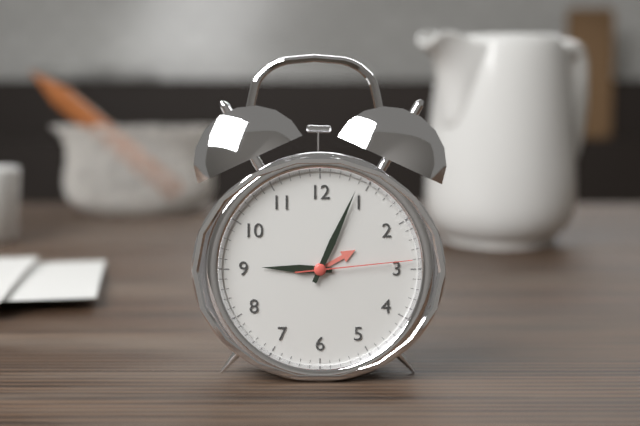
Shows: 9:04:14
